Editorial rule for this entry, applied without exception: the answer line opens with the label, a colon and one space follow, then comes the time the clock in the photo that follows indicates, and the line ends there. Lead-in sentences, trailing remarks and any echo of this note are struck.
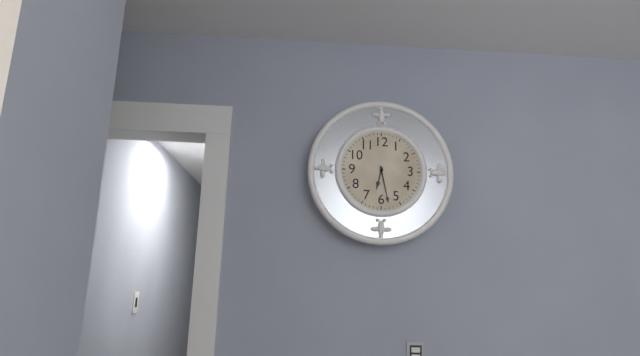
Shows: 6:28
